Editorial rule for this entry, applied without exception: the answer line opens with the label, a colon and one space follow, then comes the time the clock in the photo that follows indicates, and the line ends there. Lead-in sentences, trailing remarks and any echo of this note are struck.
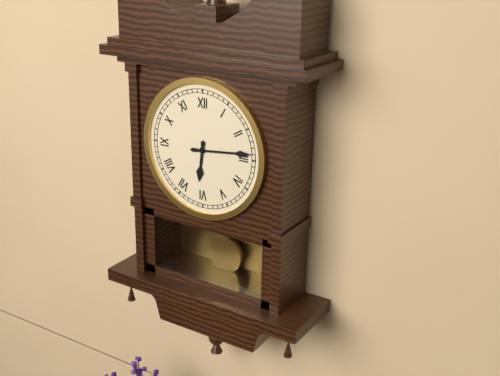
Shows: 6:14
